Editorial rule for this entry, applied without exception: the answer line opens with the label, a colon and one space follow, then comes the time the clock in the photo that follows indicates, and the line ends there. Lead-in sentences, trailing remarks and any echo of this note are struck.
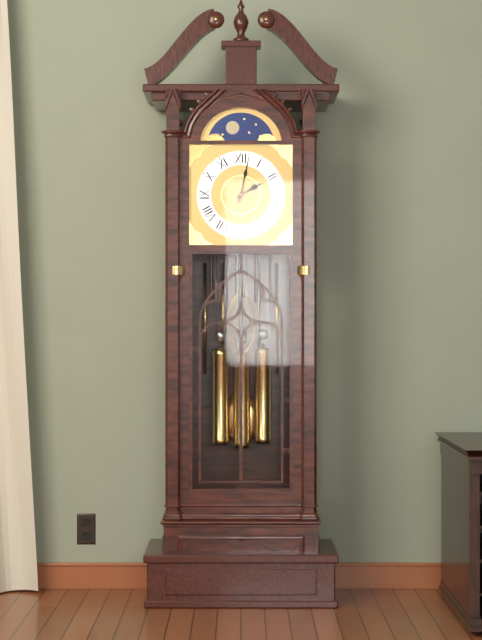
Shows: 2:02
